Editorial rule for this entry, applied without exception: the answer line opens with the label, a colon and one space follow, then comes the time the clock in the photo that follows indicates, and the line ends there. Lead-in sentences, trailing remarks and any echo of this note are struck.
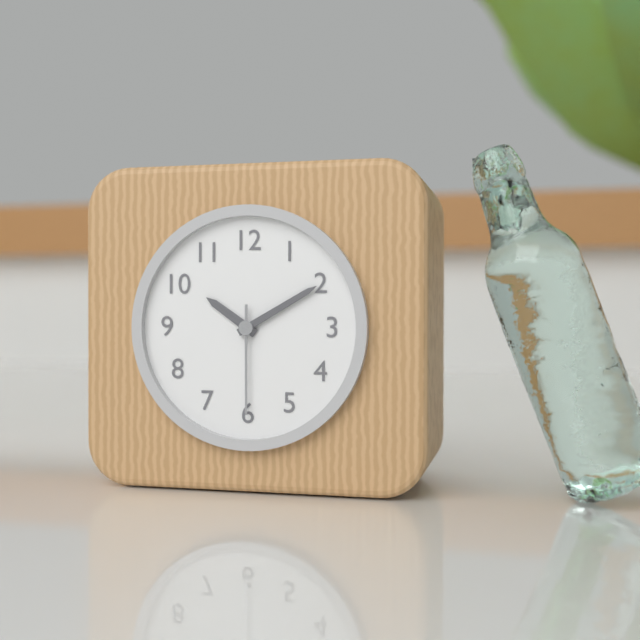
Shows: 10:10:30
